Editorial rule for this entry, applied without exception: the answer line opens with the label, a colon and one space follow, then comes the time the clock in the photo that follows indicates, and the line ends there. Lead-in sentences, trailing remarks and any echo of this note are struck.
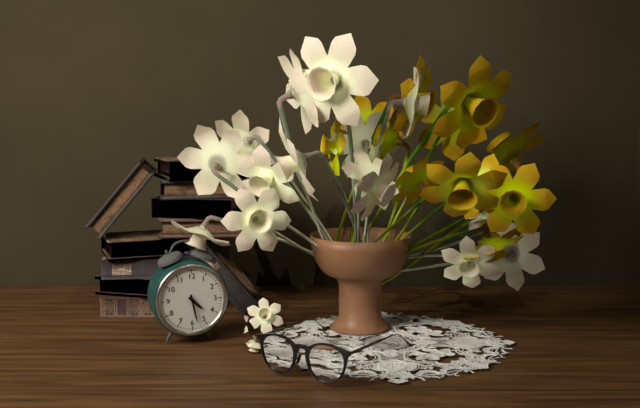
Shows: 4:28
